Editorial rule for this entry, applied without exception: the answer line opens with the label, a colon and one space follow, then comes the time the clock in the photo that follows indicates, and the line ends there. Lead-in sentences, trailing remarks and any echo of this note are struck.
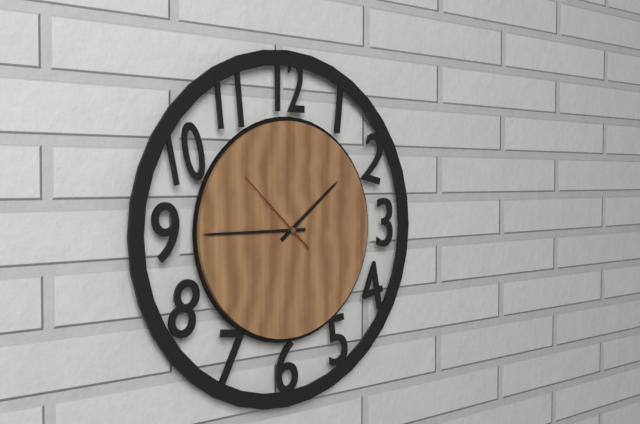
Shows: 1:45:52
